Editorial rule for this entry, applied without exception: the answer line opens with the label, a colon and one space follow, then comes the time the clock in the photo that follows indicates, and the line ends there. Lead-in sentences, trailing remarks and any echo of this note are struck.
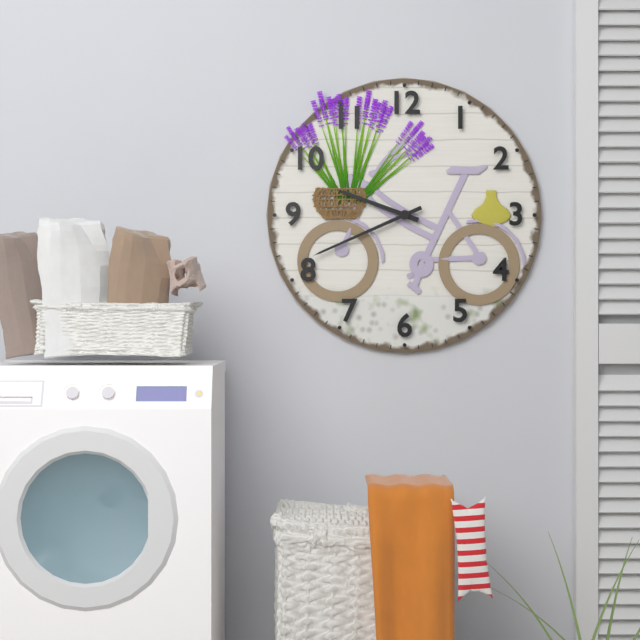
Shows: 9:41
